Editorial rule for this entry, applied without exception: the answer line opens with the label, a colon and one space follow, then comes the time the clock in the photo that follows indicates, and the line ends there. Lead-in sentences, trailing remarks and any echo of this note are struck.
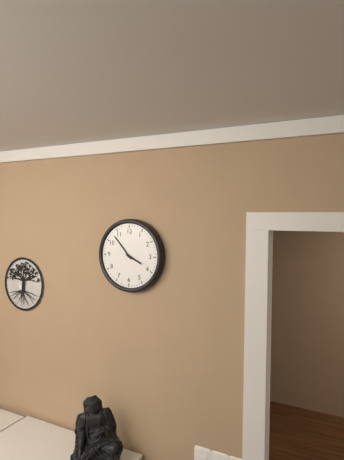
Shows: 3:53
